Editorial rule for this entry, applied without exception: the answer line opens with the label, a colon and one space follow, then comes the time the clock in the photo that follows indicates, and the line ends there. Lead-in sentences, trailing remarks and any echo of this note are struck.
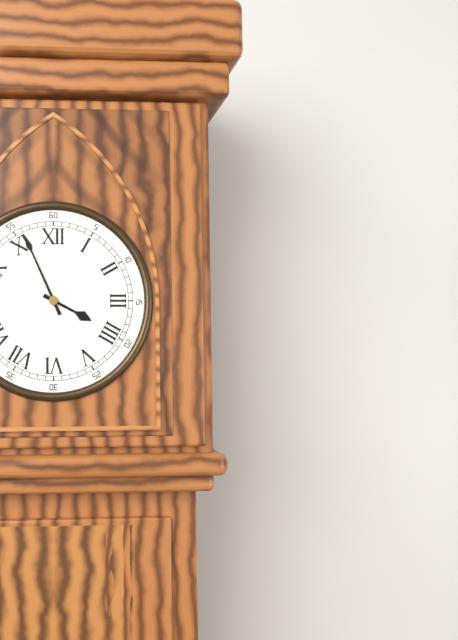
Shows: 3:56
